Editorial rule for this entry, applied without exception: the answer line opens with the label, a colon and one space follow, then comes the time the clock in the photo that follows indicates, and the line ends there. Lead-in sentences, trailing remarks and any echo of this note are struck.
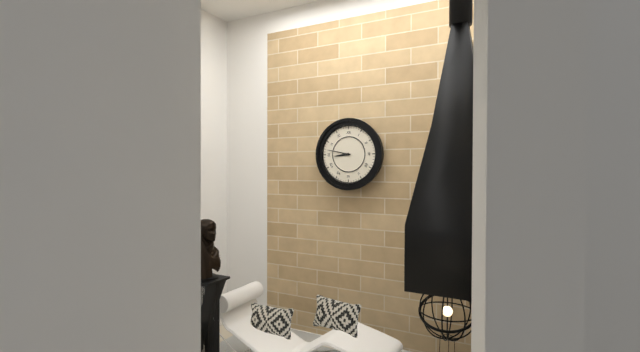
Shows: 8:47
